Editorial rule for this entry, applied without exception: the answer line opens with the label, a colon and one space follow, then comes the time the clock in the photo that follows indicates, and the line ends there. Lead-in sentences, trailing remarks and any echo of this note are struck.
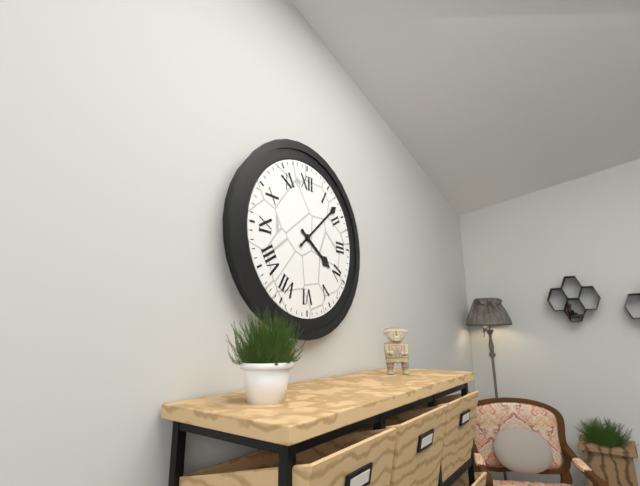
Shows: 4:08
